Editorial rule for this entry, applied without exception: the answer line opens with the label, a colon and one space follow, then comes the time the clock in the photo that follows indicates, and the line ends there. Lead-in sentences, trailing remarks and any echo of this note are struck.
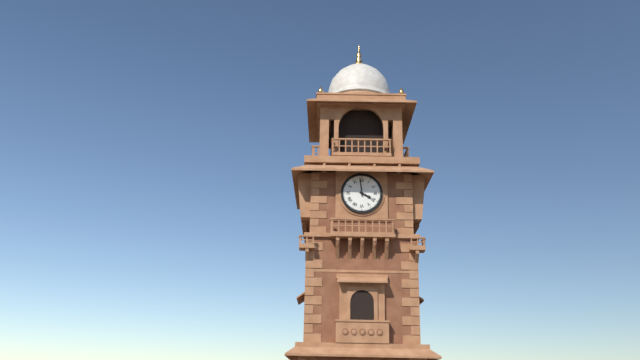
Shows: 3:59
